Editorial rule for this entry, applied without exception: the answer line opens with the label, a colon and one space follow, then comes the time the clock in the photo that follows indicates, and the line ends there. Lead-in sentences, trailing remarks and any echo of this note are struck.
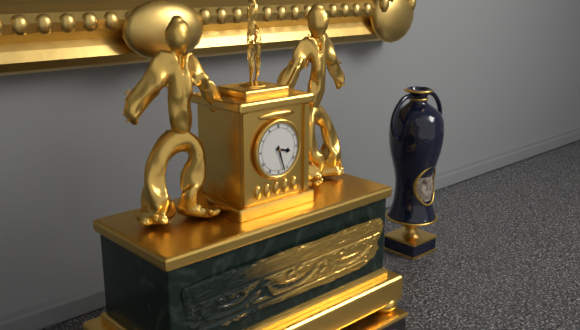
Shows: 3:27
